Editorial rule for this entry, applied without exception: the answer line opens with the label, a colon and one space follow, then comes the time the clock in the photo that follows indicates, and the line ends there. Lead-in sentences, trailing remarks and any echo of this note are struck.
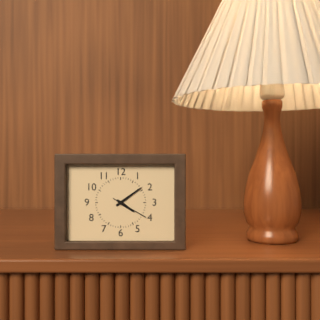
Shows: 4:09
